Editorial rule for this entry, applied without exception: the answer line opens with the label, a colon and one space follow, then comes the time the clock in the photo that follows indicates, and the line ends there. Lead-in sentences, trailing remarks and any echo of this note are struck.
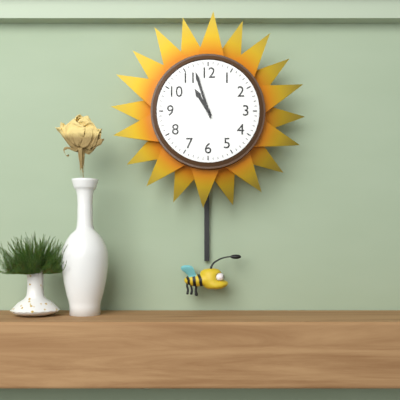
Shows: 10:57
